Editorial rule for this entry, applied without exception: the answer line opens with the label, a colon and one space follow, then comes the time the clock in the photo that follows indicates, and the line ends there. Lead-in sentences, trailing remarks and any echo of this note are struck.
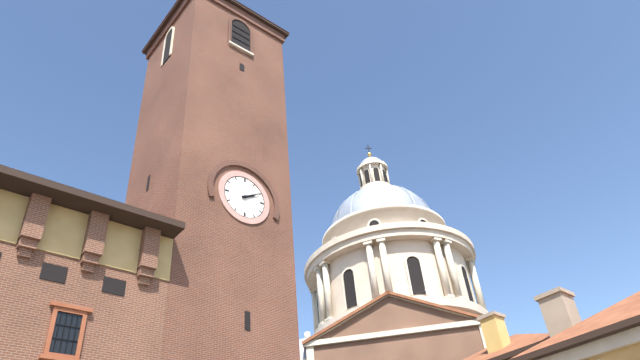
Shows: 2:10
